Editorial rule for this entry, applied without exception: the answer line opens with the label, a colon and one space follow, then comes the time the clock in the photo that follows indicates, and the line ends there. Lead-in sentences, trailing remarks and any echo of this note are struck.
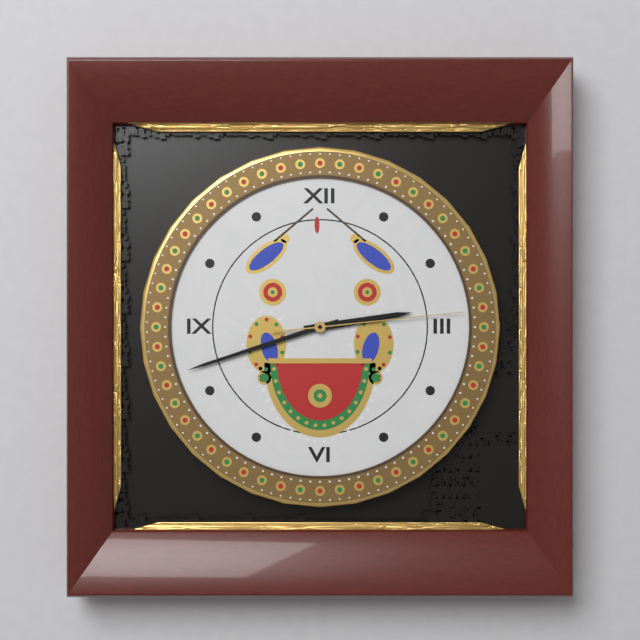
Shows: 2:42:14
